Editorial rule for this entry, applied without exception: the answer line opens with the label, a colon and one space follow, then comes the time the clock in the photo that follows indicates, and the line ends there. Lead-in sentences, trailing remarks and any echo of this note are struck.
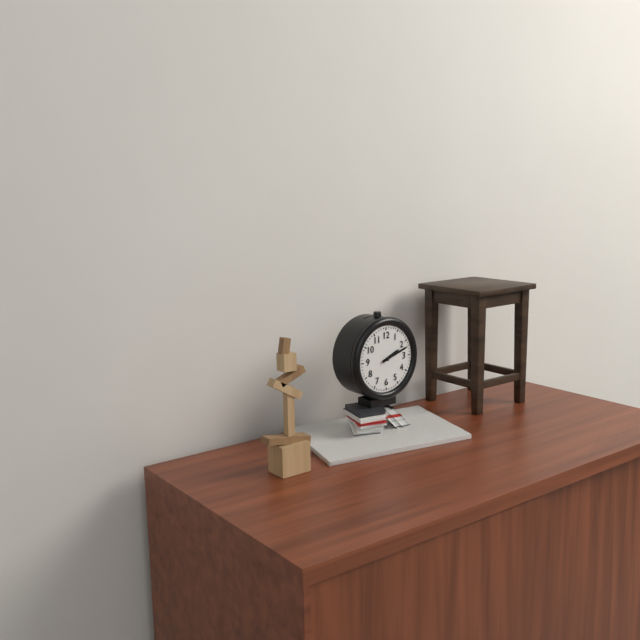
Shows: 2:12
